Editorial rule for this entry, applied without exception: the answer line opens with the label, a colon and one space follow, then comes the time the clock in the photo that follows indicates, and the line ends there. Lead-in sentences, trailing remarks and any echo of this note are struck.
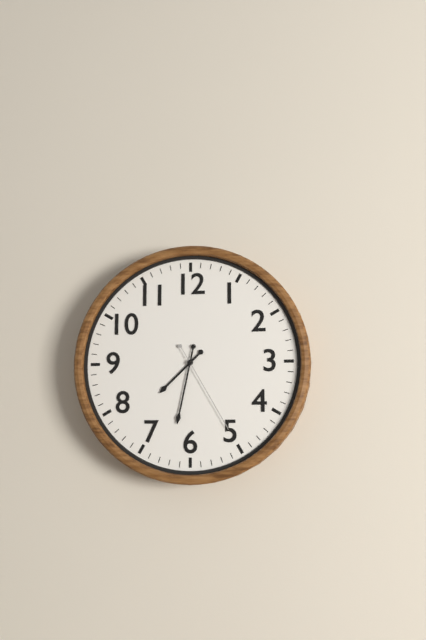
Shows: 7:32:25
